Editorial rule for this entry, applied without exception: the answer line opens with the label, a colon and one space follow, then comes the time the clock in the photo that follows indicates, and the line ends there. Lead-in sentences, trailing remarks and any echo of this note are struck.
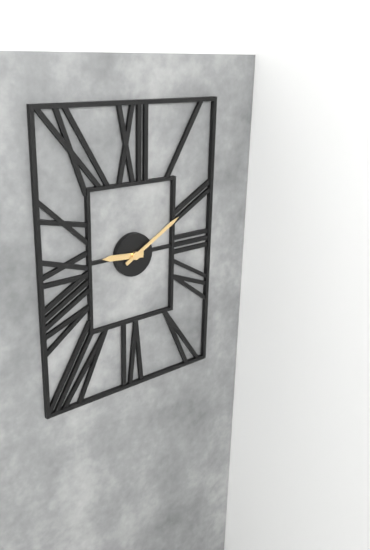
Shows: 9:10
